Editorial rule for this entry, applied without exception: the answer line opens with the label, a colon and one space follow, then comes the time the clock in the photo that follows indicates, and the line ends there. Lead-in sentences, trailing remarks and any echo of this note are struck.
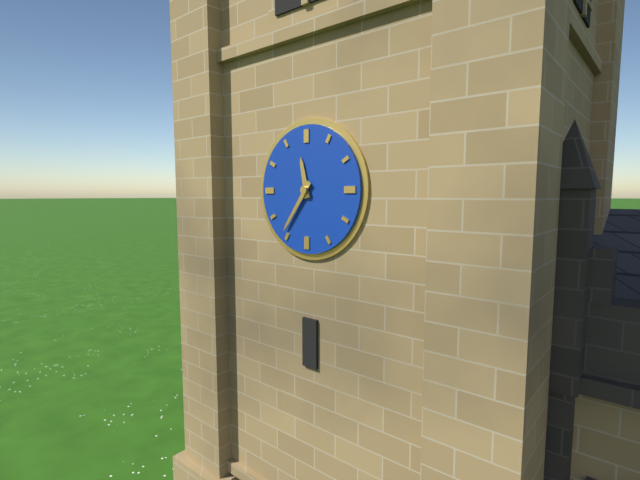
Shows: 11:36
